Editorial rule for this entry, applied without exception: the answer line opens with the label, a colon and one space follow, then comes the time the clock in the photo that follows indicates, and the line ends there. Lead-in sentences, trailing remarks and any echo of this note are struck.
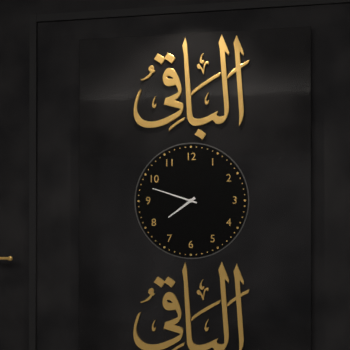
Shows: 7:48
